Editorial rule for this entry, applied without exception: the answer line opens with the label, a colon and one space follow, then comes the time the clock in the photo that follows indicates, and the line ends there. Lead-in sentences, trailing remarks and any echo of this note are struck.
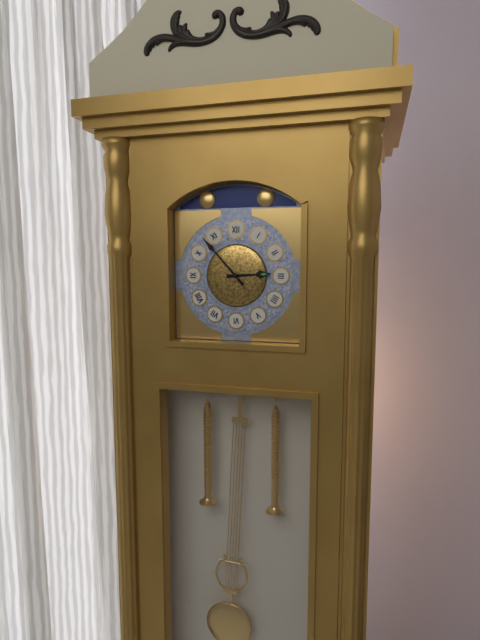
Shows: 2:53
